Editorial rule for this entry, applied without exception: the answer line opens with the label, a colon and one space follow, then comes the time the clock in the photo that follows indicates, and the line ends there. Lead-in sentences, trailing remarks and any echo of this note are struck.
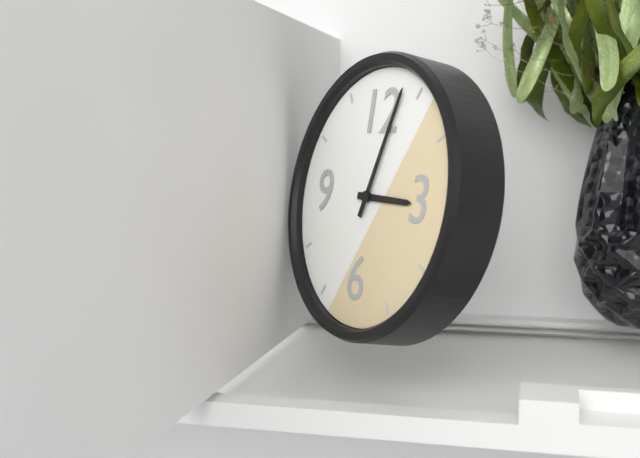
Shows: 3:03
